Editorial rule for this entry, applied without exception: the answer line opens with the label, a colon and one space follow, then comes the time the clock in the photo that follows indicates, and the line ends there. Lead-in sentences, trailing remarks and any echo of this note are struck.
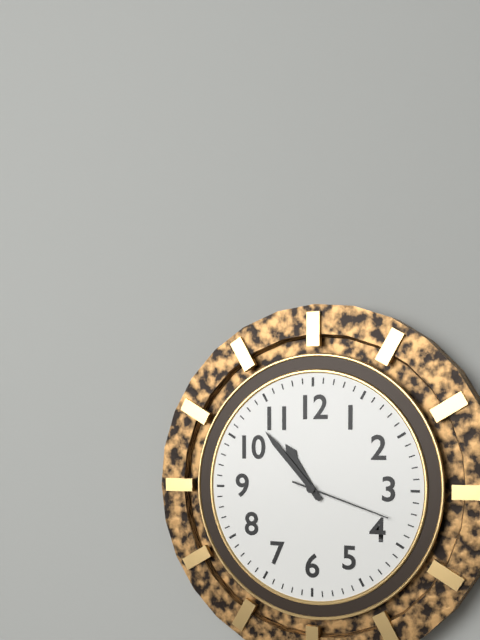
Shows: 10:53:18
